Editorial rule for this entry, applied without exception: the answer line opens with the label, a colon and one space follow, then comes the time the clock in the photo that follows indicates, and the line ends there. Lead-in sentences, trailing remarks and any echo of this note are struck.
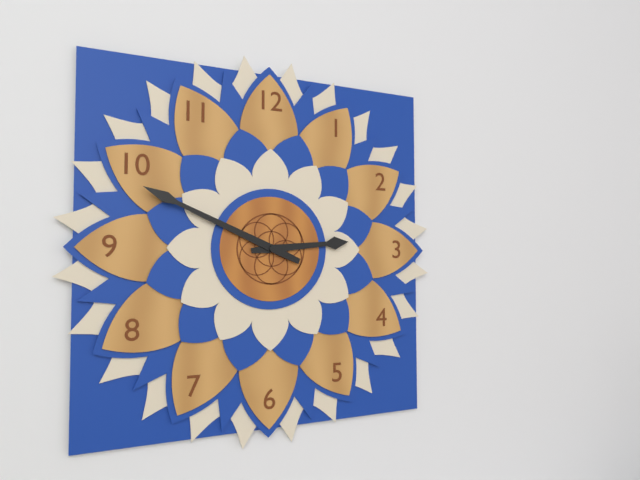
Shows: 2:49
